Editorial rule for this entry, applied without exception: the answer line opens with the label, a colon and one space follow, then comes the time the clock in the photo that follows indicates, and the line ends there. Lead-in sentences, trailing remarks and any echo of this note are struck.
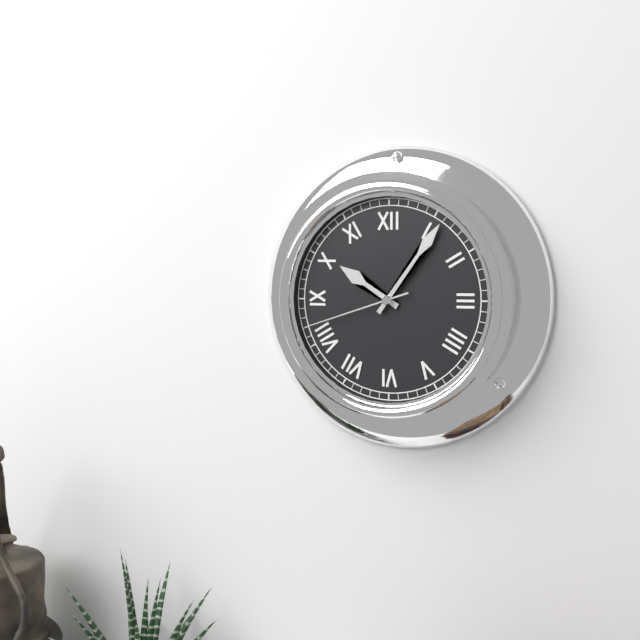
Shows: 10:06:42
